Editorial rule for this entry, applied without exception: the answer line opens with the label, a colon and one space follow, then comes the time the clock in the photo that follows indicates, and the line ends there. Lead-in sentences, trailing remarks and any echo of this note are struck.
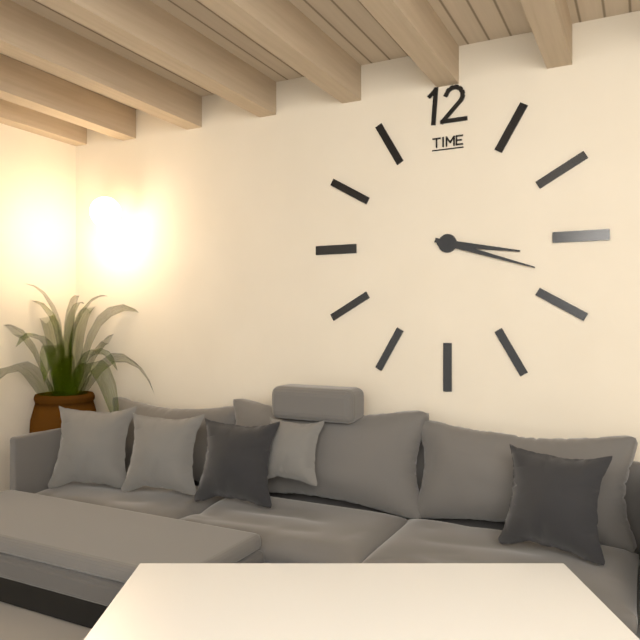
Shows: 3:18
